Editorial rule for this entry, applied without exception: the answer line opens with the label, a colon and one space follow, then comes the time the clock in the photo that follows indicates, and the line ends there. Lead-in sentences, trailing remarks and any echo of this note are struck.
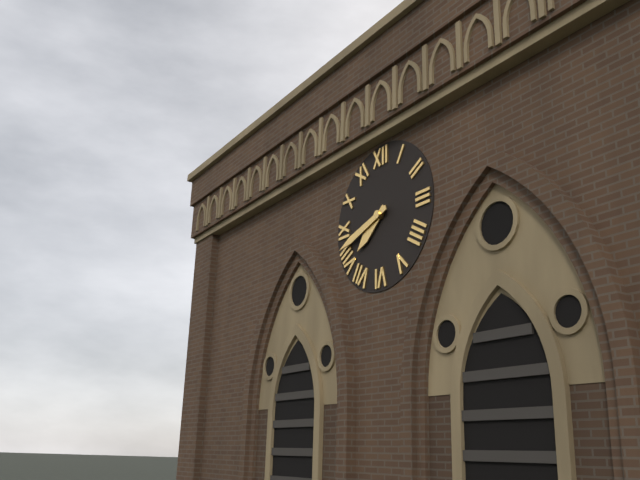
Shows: 7:42
